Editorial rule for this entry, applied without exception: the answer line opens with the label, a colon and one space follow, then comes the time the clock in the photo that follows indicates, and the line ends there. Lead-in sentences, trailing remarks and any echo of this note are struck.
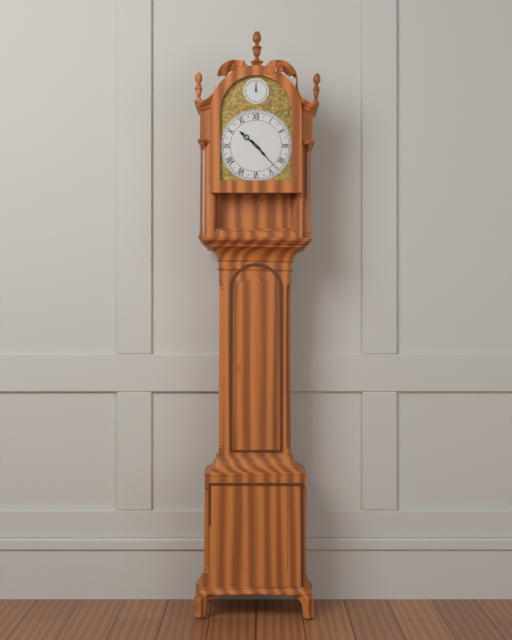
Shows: 10:23
